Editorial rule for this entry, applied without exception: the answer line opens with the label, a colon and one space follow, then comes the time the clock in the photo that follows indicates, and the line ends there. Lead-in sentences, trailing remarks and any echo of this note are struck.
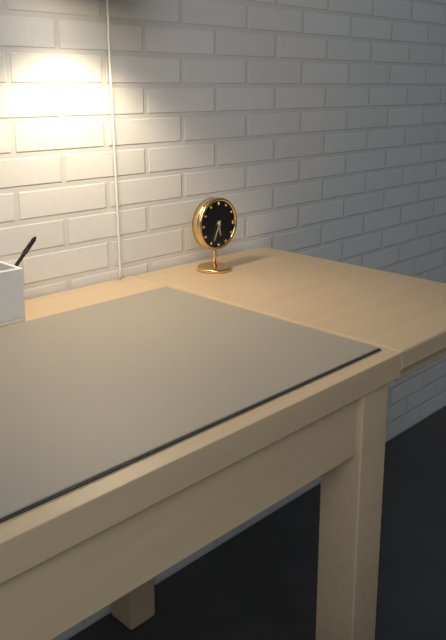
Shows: 5:34
